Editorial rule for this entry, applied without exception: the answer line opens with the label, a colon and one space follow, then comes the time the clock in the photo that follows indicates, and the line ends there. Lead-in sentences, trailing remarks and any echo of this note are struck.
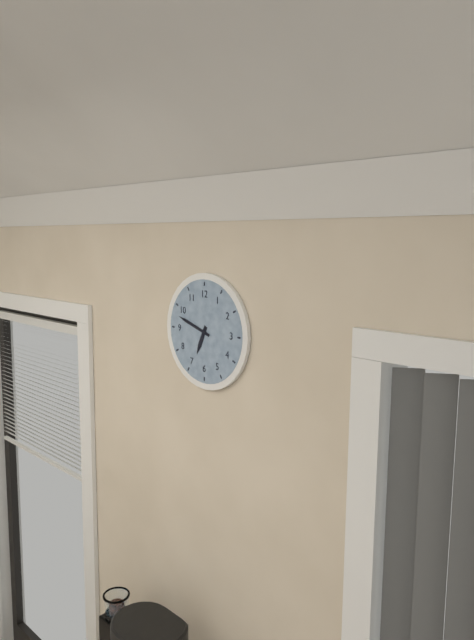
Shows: 6:48
